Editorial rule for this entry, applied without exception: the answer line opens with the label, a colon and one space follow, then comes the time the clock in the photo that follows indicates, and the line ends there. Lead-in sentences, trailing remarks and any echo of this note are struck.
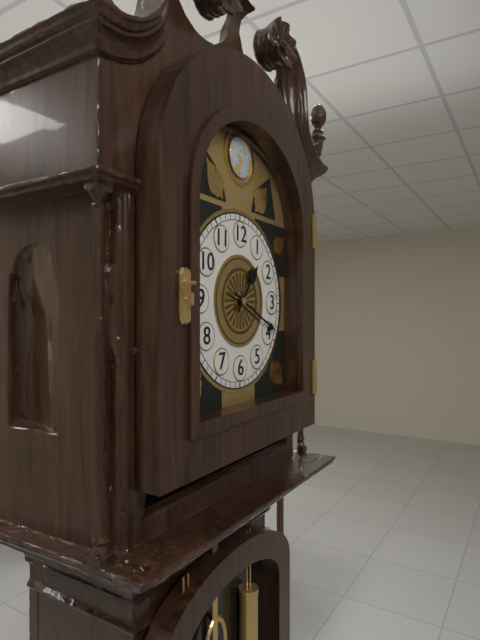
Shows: 1:19
